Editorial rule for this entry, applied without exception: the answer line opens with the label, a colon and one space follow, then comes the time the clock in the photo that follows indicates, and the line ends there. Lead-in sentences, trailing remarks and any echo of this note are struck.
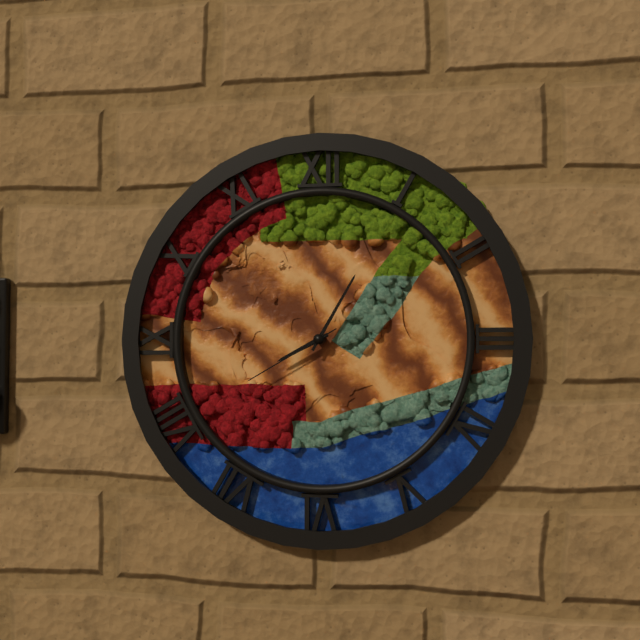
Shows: 8:05:40
